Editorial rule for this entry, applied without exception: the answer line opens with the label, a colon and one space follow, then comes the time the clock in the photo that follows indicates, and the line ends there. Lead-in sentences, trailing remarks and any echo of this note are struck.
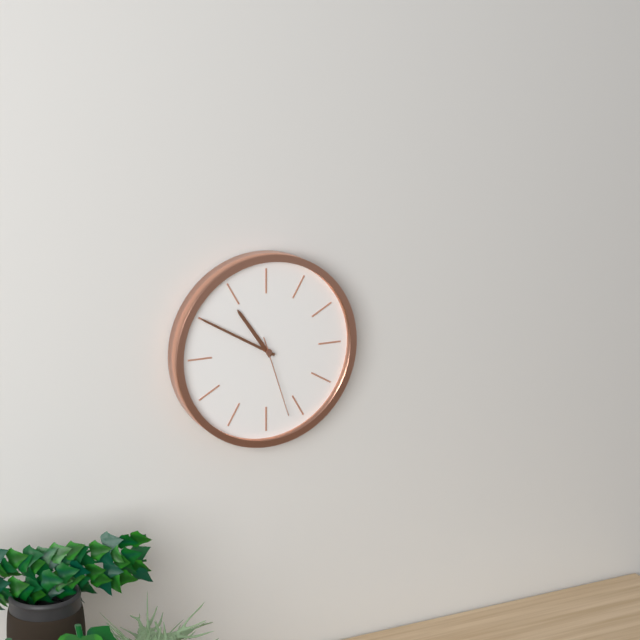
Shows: 10:50:27
